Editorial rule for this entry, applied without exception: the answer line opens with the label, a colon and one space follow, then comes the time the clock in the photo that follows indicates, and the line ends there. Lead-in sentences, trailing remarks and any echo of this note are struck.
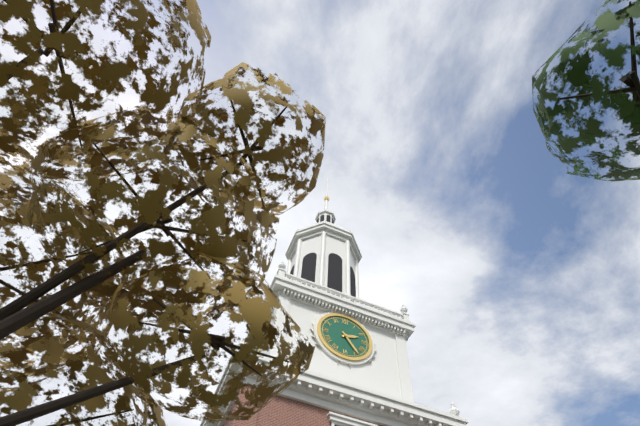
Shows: 2:24
